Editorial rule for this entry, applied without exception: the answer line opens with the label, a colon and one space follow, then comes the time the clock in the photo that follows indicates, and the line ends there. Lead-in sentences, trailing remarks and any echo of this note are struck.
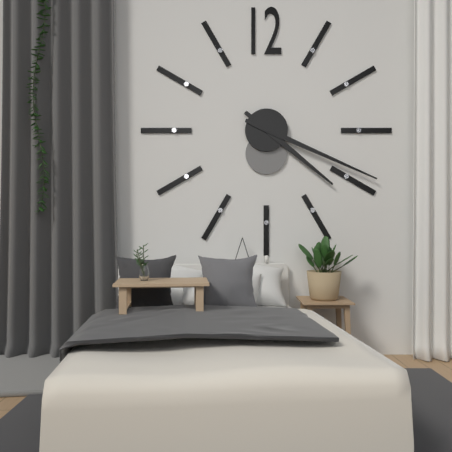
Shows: 4:19
